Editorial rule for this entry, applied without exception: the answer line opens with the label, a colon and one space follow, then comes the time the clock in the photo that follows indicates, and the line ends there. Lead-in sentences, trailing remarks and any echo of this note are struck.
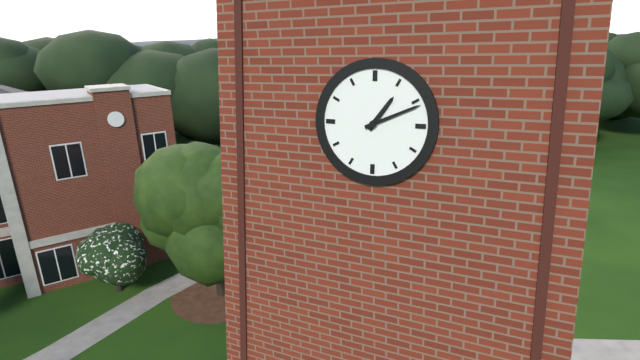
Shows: 1:11
